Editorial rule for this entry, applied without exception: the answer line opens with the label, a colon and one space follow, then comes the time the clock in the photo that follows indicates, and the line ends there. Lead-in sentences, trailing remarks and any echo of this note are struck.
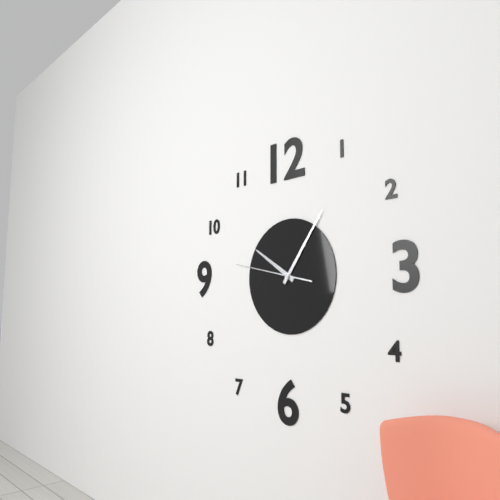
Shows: 10:06:47
